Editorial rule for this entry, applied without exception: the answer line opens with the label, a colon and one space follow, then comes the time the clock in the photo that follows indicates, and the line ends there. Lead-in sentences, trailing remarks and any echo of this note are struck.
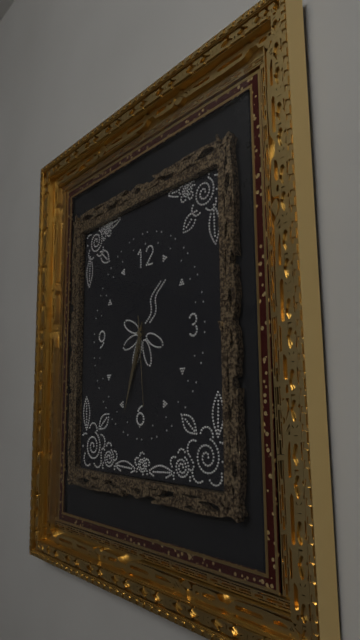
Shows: 6:33:29
